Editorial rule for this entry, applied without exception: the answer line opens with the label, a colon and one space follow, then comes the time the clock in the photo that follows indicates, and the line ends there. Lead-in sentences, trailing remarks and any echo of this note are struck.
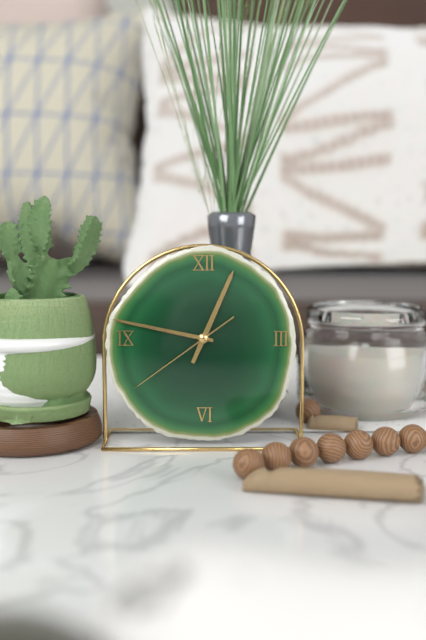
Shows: 12:47:39
